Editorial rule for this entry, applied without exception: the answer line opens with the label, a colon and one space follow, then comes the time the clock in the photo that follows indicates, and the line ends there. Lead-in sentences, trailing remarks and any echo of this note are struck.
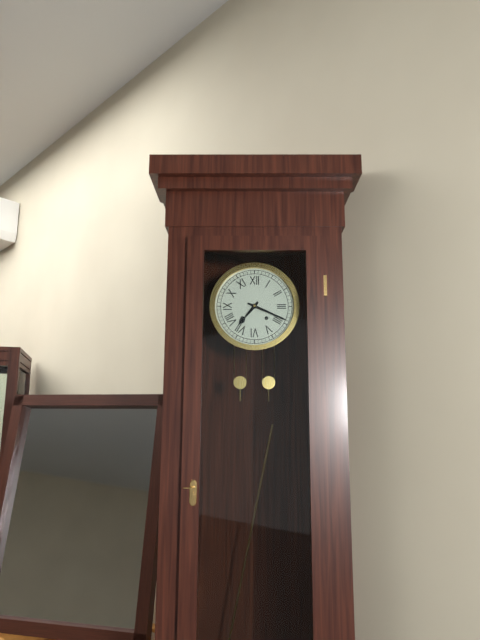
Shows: 7:19
